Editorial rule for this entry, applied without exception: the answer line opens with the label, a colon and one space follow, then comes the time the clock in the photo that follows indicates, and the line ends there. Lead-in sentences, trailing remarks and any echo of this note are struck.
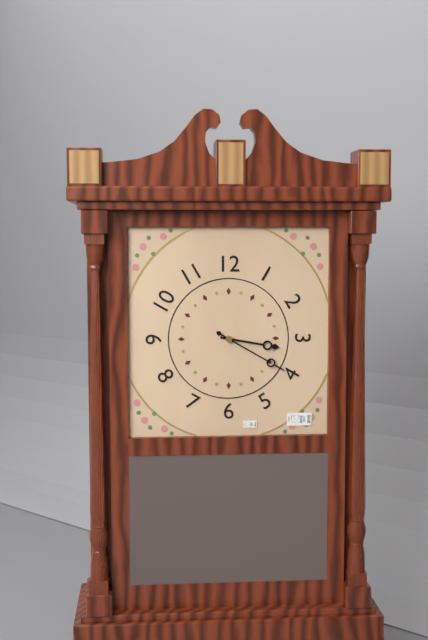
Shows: 3:20
